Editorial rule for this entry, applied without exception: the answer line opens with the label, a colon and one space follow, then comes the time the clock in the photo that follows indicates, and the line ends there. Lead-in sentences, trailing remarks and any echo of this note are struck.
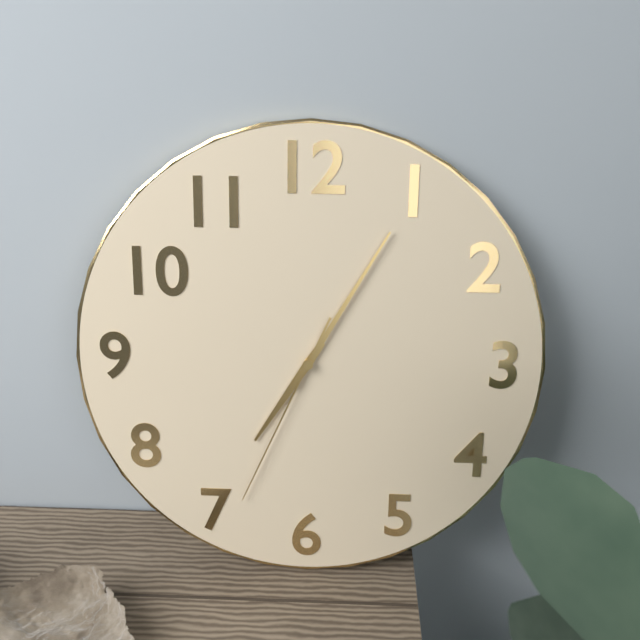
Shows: 7:05:34
